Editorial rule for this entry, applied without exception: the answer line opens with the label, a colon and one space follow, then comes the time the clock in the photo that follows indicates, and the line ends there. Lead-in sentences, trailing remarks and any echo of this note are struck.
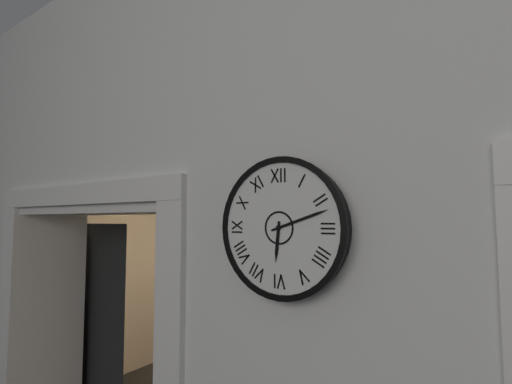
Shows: 6:12
